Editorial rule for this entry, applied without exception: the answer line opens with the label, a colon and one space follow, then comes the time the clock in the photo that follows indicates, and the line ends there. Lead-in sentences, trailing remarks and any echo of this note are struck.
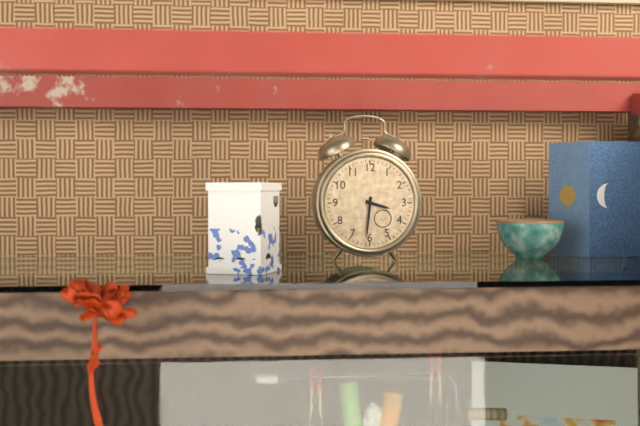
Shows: 3:31
